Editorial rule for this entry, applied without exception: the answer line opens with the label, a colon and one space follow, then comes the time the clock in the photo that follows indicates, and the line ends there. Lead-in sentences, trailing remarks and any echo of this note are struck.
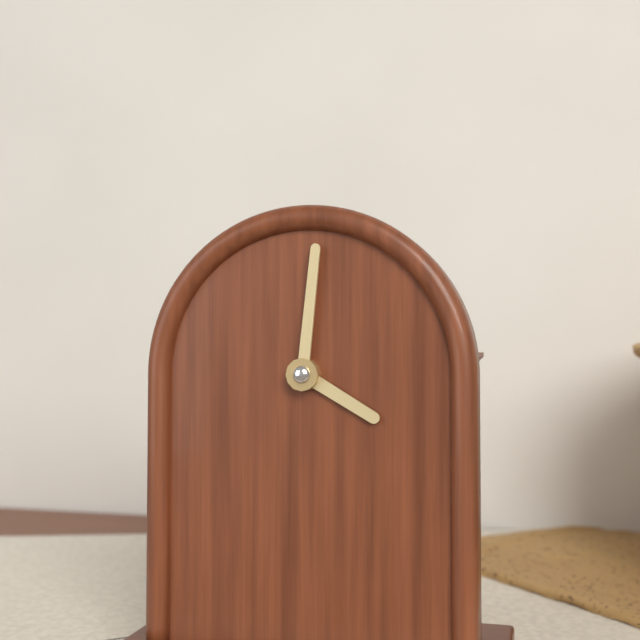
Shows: 4:01
